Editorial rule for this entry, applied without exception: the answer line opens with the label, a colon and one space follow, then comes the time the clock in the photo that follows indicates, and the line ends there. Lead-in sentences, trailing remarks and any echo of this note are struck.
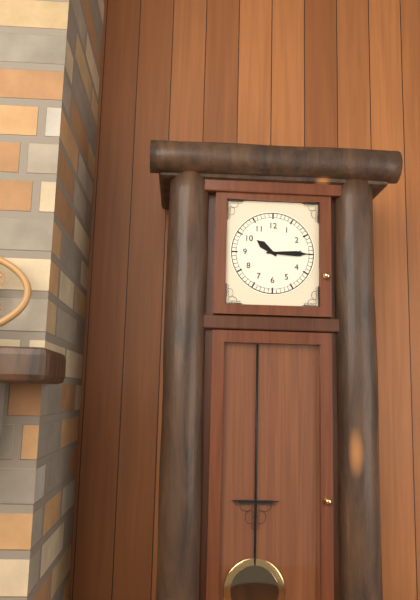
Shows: 10:15
